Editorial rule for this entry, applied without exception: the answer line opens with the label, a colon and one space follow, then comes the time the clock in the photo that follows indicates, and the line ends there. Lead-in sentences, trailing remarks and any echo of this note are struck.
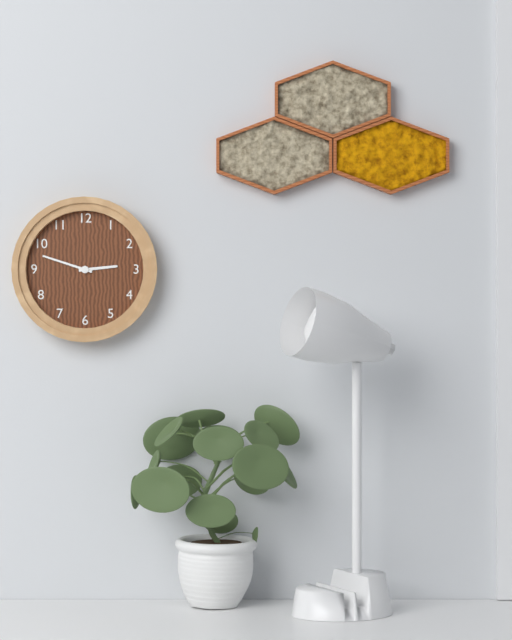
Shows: 2:48
